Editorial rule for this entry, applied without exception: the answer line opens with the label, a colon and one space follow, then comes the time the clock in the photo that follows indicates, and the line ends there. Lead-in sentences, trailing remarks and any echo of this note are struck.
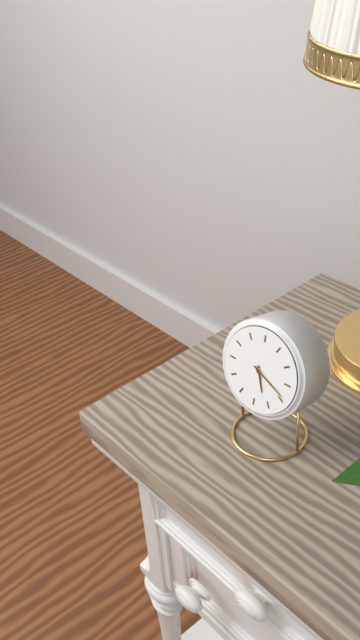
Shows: 5:19
